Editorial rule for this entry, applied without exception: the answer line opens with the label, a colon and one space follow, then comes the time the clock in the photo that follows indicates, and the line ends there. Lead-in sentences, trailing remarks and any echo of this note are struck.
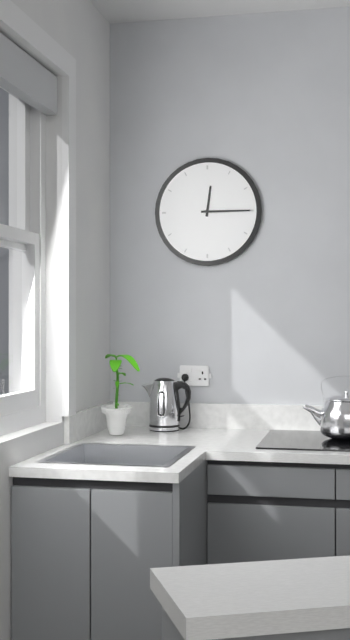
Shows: 12:15
